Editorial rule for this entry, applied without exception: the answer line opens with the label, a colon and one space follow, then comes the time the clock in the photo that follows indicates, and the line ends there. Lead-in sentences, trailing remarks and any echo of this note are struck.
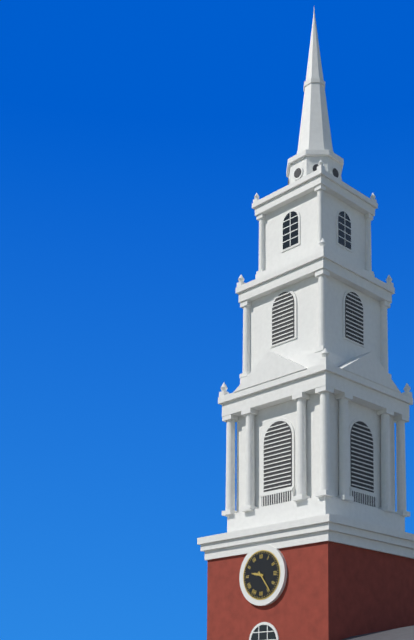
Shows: 9:24
